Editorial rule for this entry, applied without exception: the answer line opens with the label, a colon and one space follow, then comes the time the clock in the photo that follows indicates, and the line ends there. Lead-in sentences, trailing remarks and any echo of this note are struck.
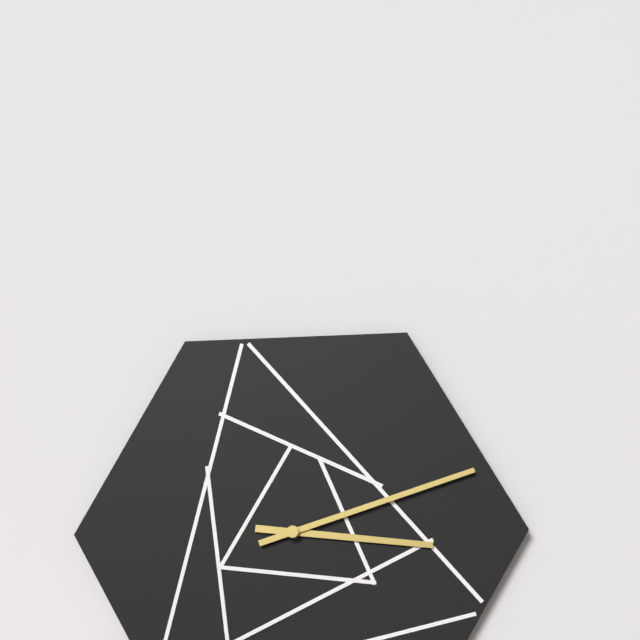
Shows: 3:12
